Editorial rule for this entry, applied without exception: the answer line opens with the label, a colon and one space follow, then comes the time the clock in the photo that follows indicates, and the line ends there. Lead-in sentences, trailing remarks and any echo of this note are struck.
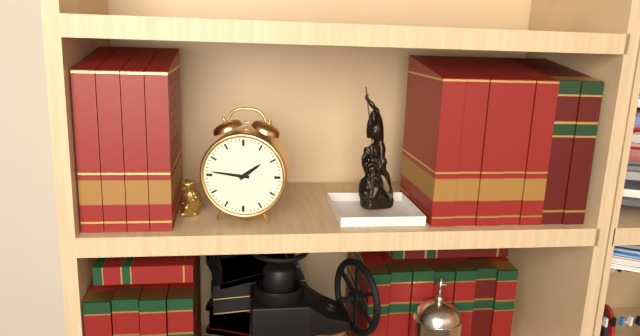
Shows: 1:46
